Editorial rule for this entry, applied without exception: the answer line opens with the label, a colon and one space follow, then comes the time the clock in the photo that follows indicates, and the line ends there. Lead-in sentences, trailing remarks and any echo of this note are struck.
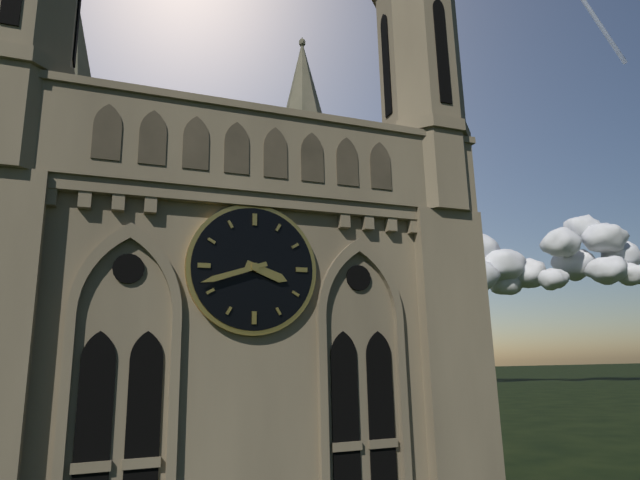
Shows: 3:42
